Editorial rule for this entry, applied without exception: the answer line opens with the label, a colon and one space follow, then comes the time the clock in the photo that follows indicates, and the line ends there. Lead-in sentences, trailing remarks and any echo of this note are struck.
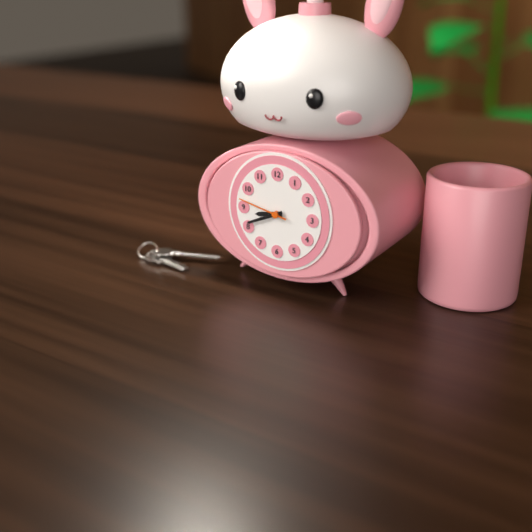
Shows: 8:41
